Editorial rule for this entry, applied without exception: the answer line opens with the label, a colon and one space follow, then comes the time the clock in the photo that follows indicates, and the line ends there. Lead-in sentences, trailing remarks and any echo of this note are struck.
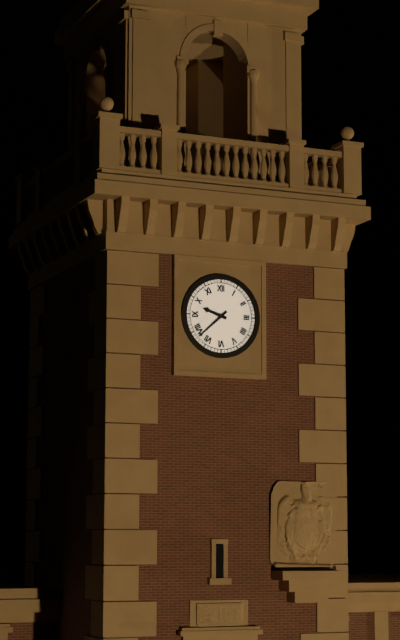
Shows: 9:38
